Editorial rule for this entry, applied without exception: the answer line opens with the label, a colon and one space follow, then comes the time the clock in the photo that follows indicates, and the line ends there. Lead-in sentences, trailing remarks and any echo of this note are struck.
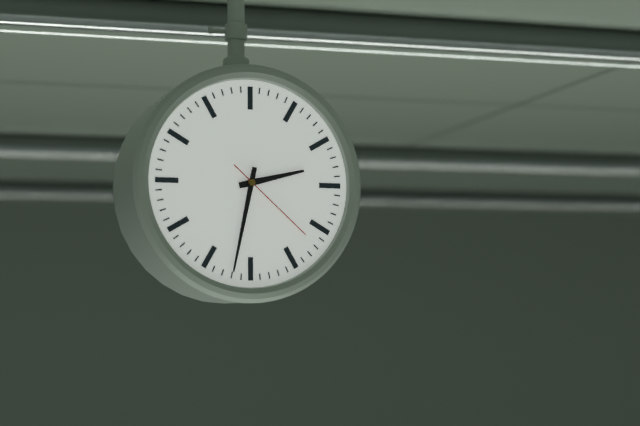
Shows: 2:32:22
